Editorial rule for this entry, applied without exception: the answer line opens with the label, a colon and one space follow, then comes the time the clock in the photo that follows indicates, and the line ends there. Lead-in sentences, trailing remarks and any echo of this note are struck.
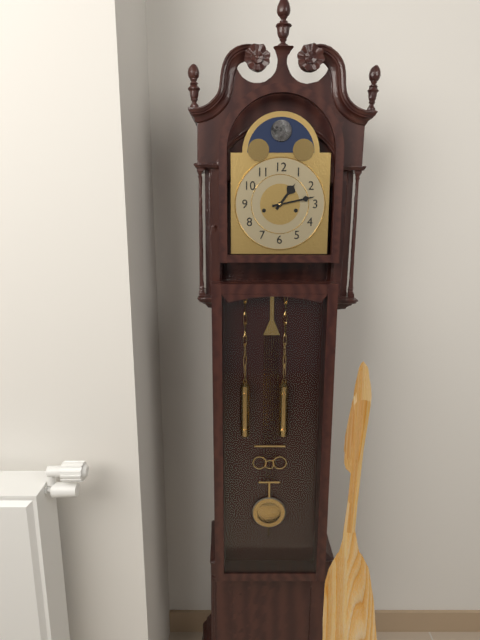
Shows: 1:13
